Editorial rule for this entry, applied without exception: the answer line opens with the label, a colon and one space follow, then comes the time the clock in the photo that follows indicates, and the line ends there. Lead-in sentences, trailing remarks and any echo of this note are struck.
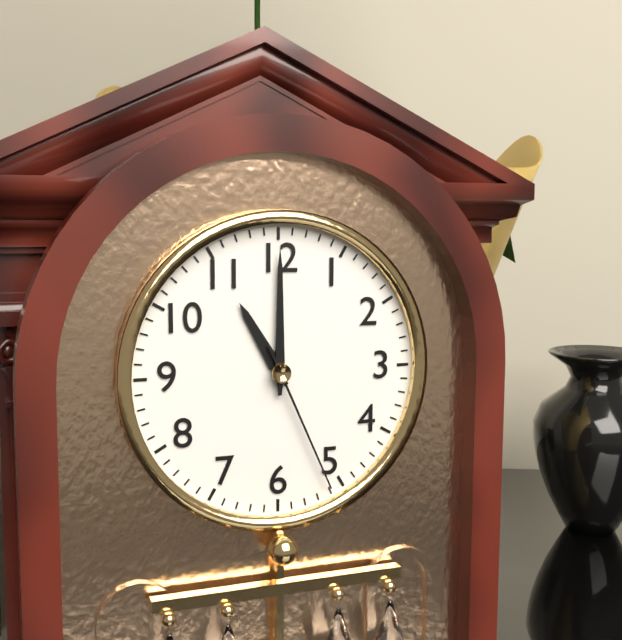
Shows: 11:00:26
